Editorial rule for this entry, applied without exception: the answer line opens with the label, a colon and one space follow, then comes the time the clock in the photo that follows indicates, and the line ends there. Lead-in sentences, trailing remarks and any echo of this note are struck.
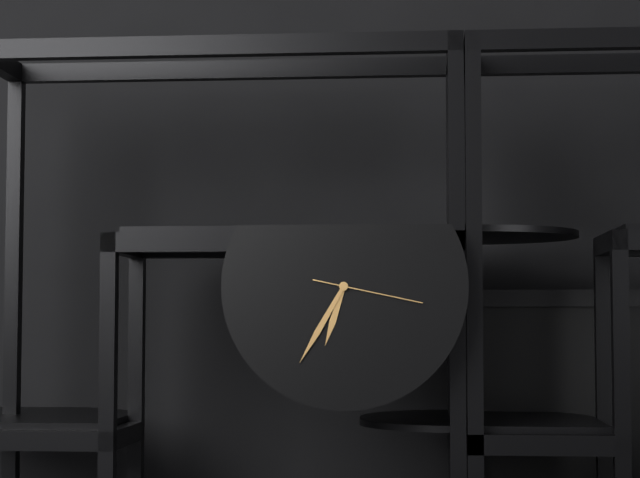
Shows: 6:35:17
